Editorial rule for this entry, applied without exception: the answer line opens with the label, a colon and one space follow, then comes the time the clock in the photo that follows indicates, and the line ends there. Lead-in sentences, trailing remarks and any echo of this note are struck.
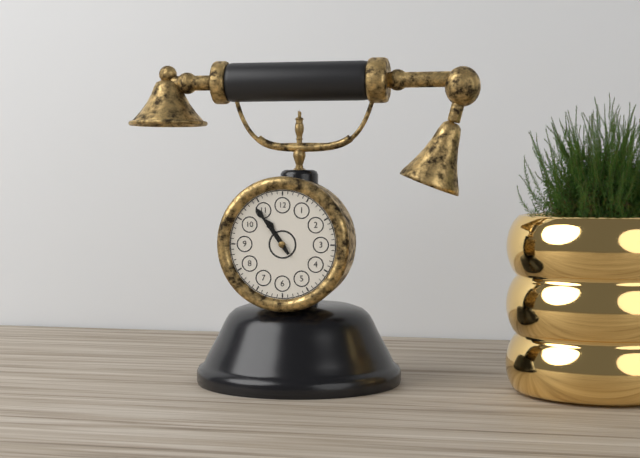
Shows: 10:54
